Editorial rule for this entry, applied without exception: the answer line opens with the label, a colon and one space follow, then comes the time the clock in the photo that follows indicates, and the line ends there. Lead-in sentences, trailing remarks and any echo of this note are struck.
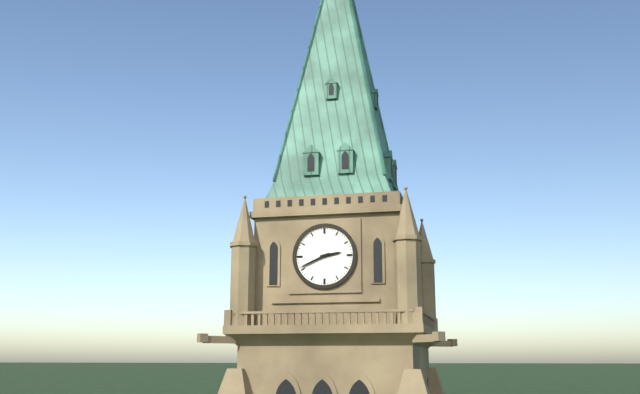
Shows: 2:41
